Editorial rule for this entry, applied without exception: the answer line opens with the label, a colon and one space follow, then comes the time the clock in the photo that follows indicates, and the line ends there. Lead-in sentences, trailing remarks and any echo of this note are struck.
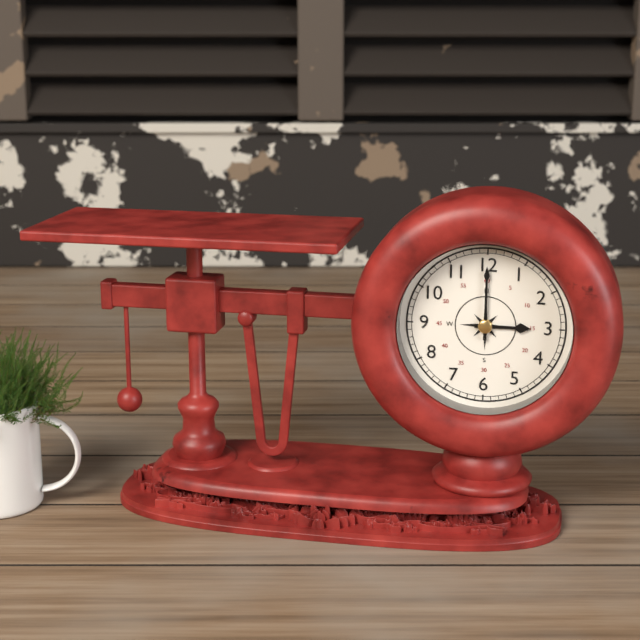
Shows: 3:00
